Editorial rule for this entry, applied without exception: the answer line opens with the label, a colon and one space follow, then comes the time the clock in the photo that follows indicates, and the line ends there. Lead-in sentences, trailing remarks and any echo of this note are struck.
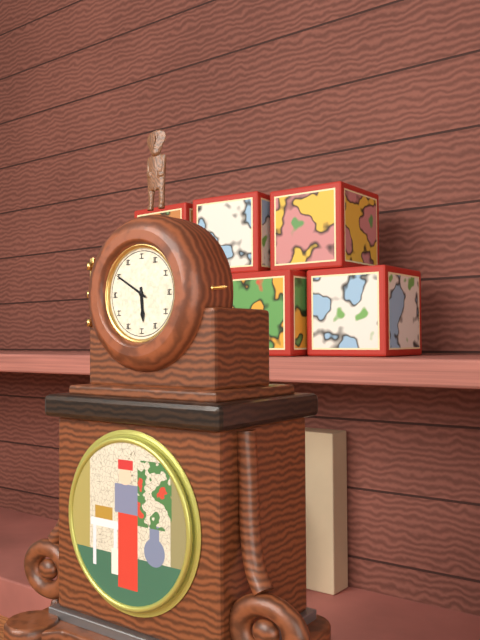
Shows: 5:50
